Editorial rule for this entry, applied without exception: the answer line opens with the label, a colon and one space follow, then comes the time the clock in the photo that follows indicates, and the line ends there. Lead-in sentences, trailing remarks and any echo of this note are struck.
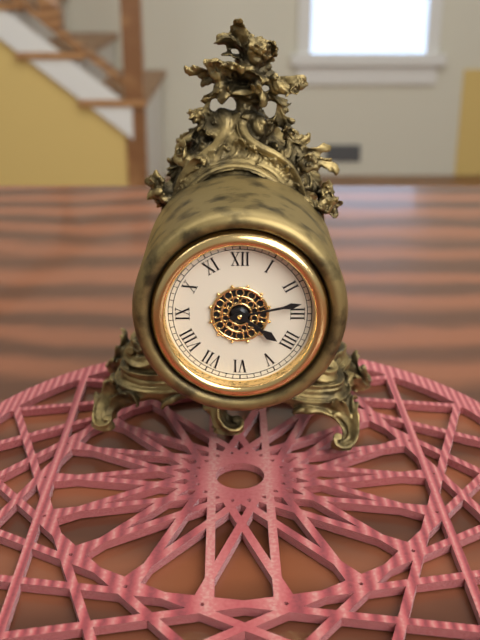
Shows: 4:13
